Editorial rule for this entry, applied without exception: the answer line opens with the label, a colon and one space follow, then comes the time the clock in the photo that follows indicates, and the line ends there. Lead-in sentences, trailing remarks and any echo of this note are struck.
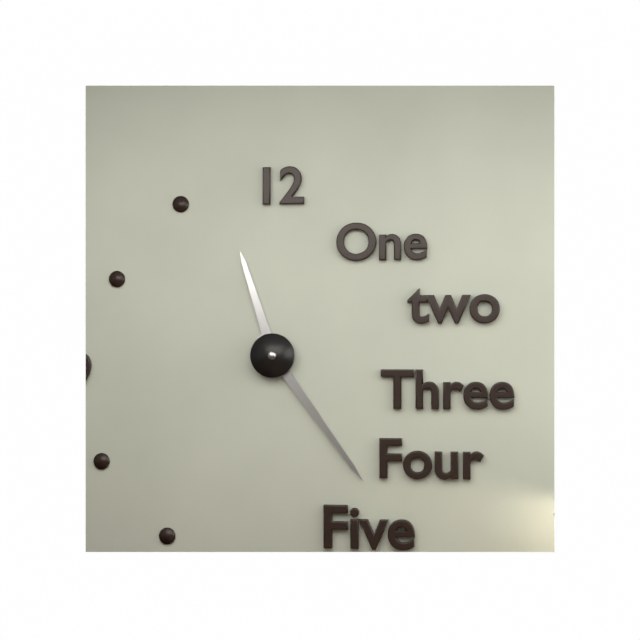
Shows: 11:24
